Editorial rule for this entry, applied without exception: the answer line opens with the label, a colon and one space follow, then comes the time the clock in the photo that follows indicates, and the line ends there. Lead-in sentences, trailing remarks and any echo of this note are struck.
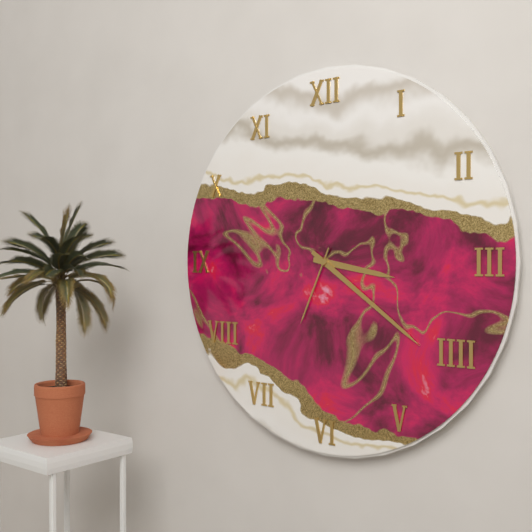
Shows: 3:21:34
